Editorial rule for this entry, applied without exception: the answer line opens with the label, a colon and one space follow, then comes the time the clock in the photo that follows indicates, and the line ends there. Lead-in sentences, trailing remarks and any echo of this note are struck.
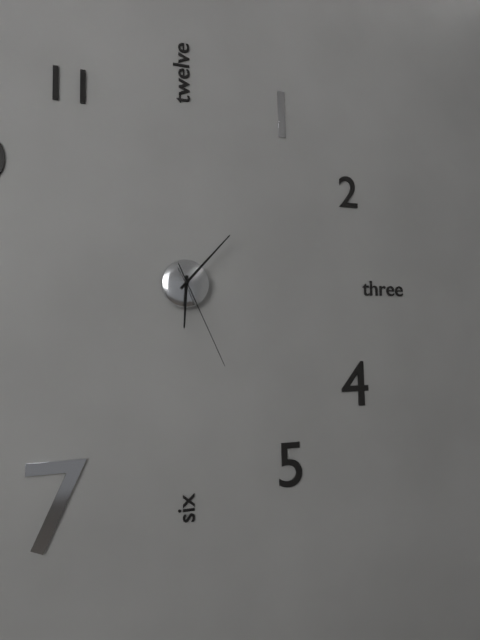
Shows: 6:07:26
